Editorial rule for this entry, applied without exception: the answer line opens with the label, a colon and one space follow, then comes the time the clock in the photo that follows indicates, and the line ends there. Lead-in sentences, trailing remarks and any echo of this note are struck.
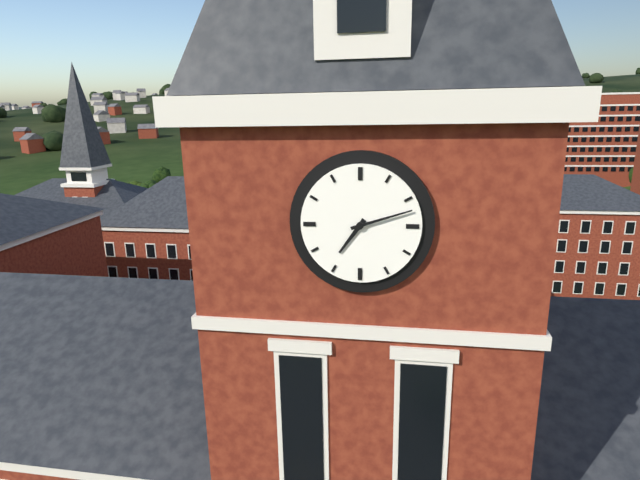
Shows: 7:12
